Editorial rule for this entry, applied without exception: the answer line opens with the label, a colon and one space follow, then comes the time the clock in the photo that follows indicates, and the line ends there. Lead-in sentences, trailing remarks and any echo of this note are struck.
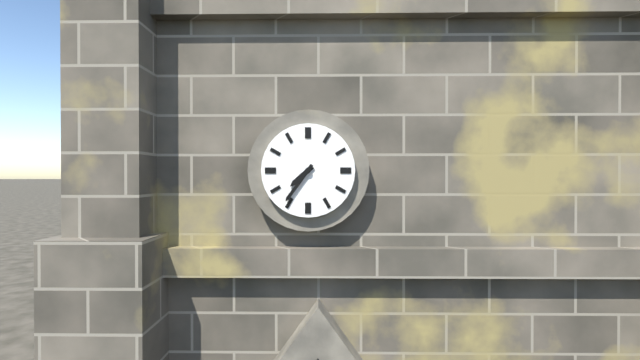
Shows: 7:36
